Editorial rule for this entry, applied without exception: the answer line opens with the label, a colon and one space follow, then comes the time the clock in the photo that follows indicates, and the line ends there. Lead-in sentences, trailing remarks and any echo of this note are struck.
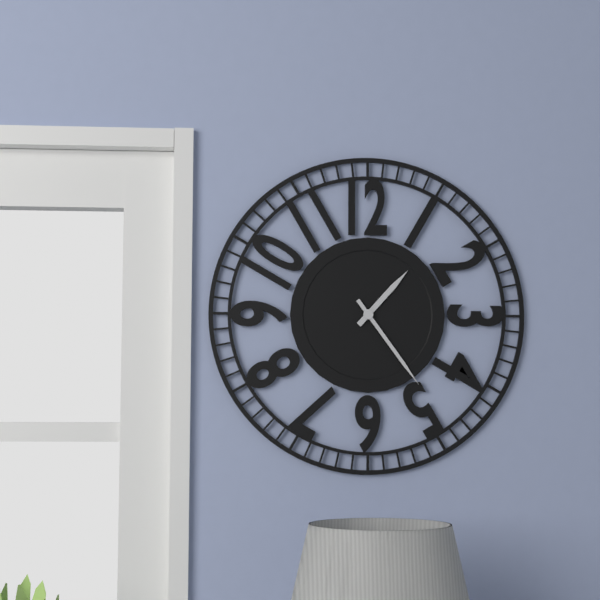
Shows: 1:24
